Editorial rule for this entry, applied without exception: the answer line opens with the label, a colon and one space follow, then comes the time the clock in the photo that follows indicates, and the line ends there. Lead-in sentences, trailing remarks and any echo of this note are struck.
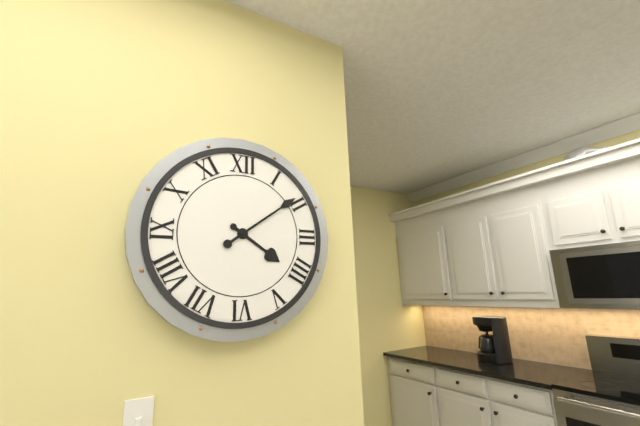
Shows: 4:09
